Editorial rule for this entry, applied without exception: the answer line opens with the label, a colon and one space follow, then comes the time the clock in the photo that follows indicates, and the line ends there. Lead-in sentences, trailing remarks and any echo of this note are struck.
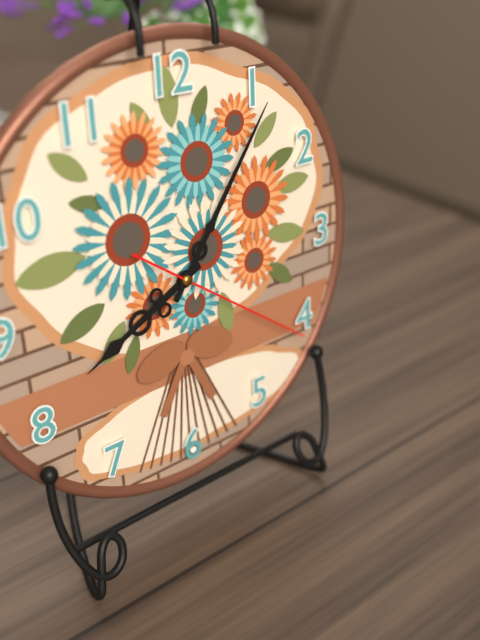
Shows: 8:06:21
